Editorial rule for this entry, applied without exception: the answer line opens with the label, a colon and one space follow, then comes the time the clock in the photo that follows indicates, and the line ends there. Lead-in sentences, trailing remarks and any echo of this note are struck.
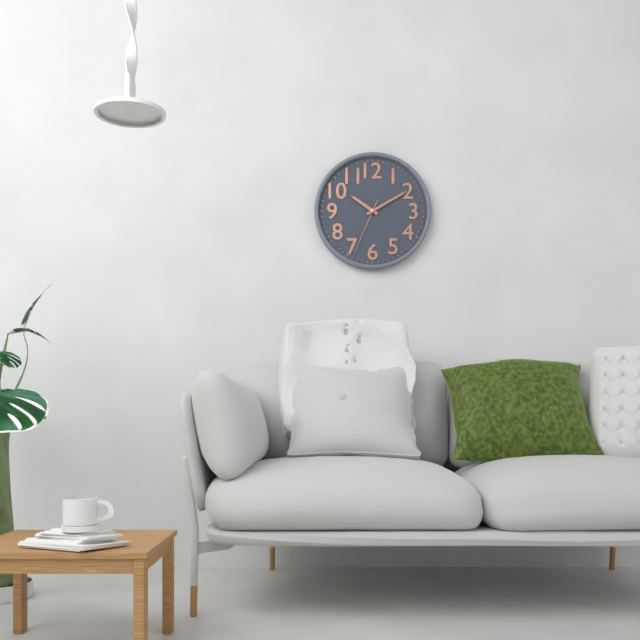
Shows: 10:10:34
